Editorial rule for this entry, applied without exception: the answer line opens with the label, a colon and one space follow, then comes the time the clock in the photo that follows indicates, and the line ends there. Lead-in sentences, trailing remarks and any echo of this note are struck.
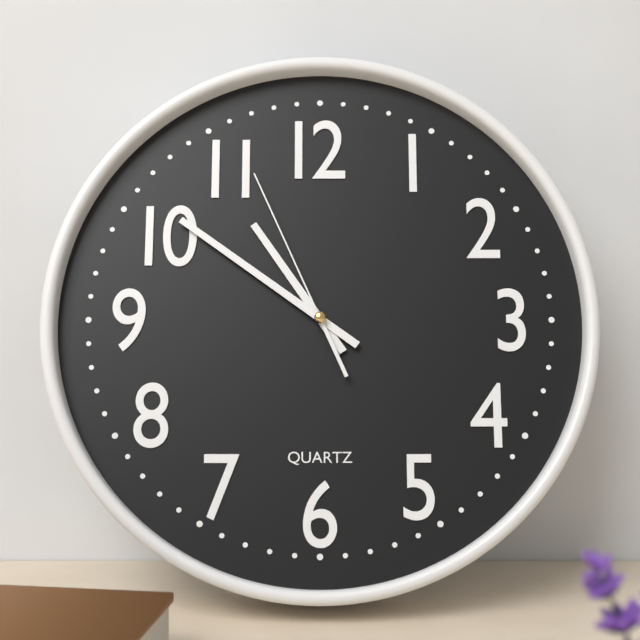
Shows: 10:51:56
